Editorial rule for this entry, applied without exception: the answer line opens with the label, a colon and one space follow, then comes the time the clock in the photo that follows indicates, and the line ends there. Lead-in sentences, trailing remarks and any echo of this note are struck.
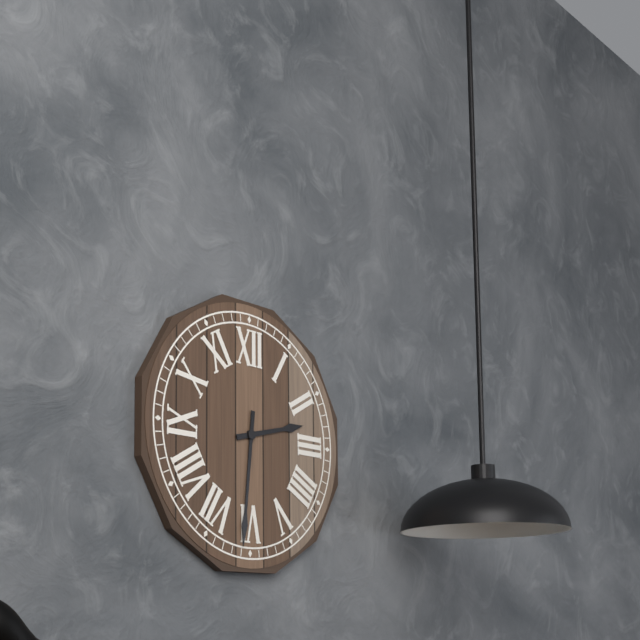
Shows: 2:31
